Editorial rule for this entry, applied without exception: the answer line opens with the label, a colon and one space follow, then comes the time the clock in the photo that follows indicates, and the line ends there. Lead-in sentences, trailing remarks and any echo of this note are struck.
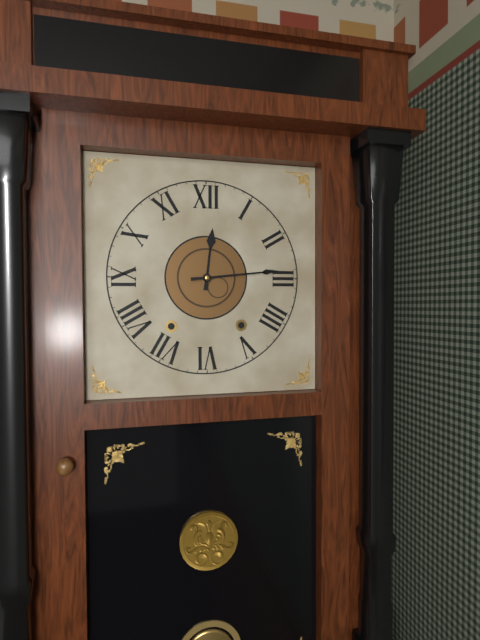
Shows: 12:14
